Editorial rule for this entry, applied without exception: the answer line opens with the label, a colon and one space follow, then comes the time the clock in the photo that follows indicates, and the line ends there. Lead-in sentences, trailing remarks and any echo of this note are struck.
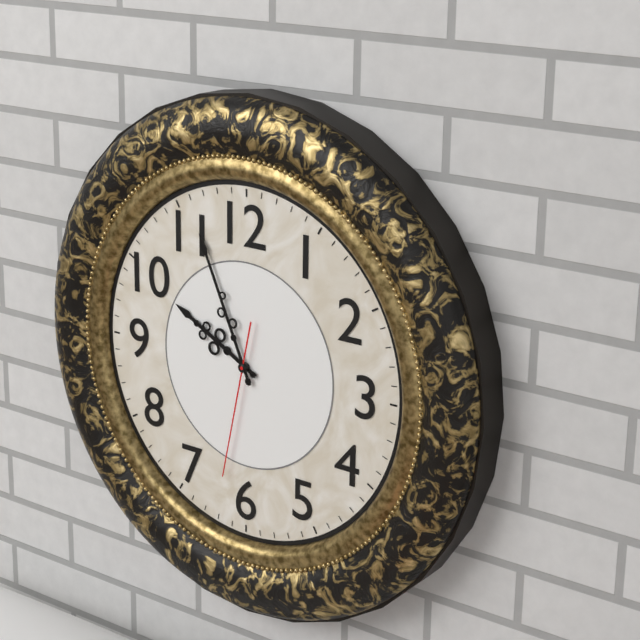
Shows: 9:56:32
